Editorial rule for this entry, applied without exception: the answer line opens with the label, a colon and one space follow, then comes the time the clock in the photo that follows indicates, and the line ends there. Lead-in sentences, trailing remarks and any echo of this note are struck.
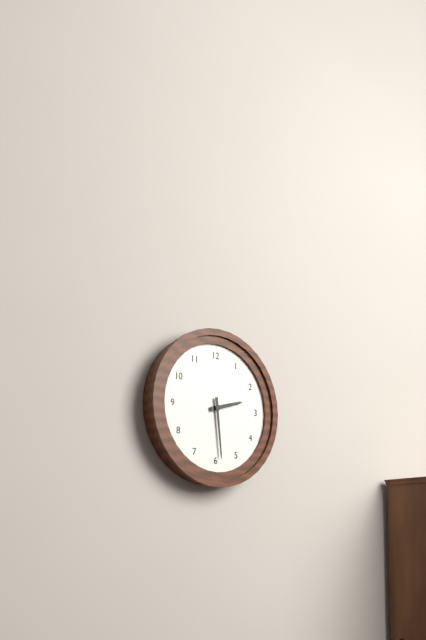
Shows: 2:29
